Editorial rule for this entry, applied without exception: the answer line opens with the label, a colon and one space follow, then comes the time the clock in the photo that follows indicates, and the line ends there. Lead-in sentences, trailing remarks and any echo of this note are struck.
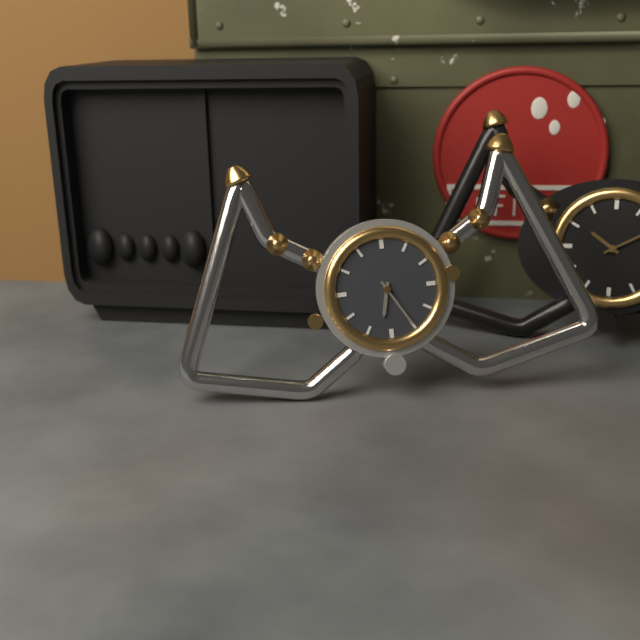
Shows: 6:25
